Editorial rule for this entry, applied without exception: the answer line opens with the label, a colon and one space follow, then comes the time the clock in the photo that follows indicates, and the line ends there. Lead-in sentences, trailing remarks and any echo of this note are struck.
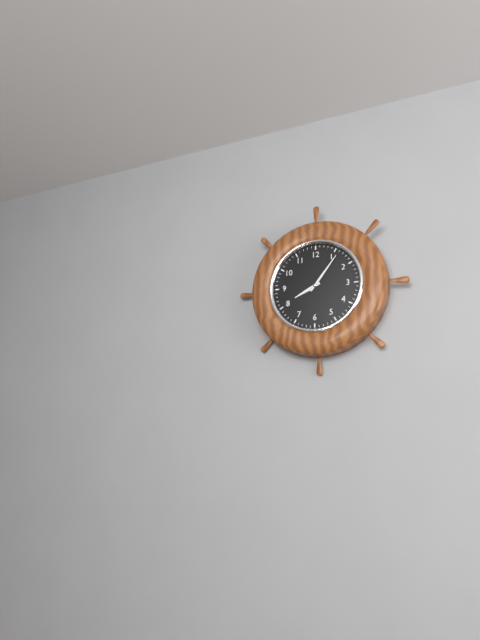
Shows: 8:06
